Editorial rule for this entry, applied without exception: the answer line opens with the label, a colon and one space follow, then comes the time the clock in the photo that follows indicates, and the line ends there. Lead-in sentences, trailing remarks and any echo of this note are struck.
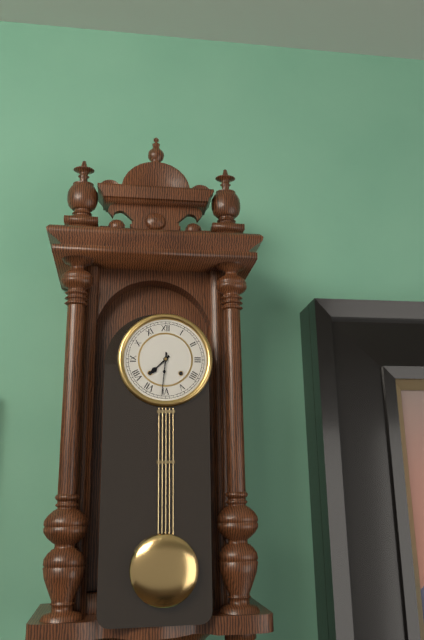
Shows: 7:31
